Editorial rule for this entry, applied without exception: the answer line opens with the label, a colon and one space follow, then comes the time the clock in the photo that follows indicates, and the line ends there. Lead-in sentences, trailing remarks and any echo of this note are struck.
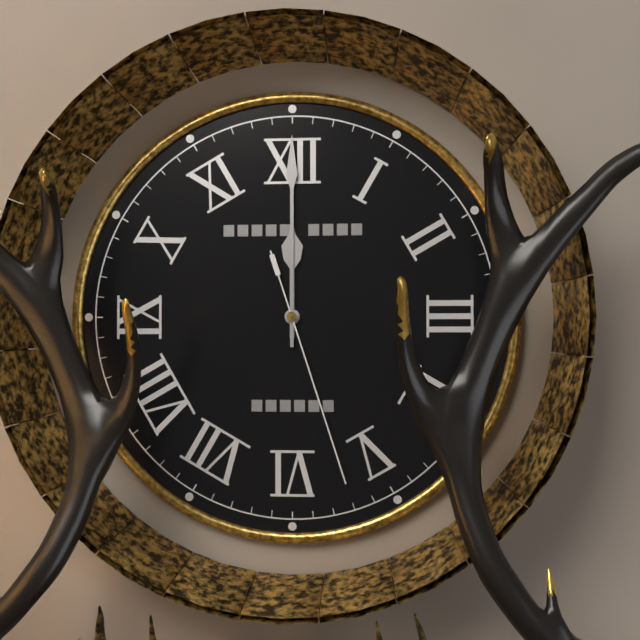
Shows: 12:00:27
